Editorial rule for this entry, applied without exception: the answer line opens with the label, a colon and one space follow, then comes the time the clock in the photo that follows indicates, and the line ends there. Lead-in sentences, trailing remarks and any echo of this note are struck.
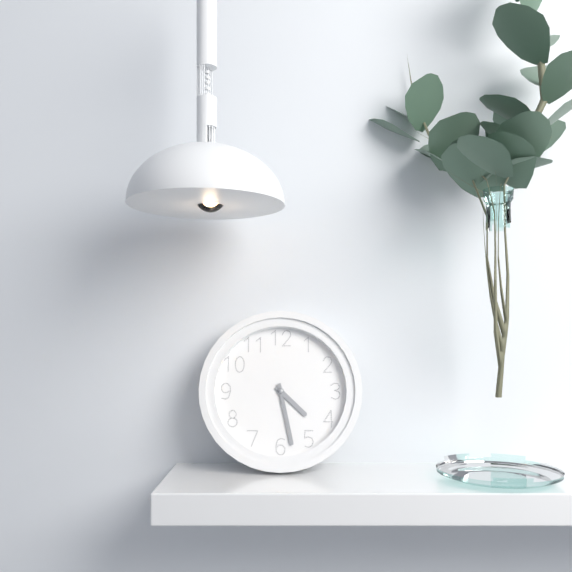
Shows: 4:28
